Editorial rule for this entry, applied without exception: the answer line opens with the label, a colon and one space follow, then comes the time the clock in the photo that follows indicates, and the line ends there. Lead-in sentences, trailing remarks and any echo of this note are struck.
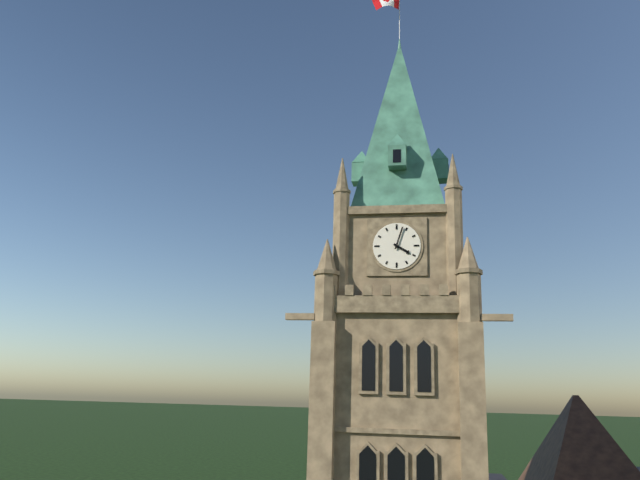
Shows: 4:03
